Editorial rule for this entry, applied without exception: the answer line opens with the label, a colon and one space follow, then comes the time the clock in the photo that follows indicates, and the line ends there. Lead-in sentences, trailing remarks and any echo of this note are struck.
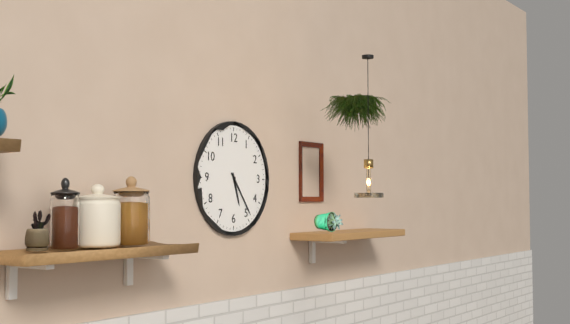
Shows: 5:24
